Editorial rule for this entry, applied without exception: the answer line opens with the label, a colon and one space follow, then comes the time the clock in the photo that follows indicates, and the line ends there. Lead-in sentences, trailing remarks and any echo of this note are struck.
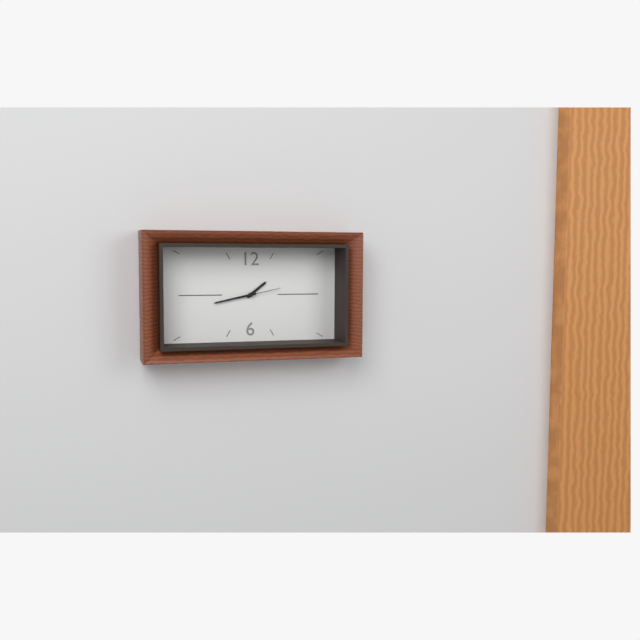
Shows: 1:43
